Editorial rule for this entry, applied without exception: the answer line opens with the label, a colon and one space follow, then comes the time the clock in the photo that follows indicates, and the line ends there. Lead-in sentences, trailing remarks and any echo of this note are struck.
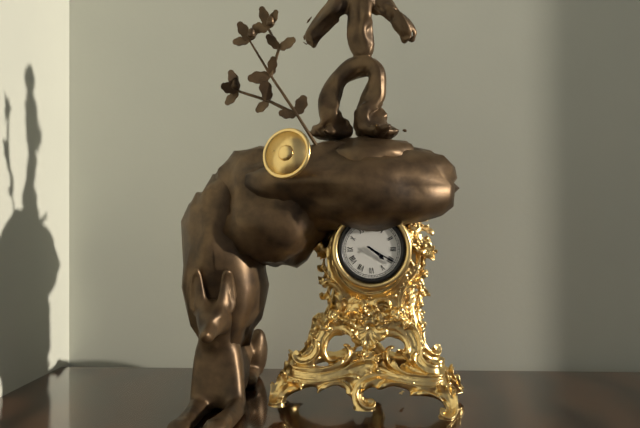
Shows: 4:20
